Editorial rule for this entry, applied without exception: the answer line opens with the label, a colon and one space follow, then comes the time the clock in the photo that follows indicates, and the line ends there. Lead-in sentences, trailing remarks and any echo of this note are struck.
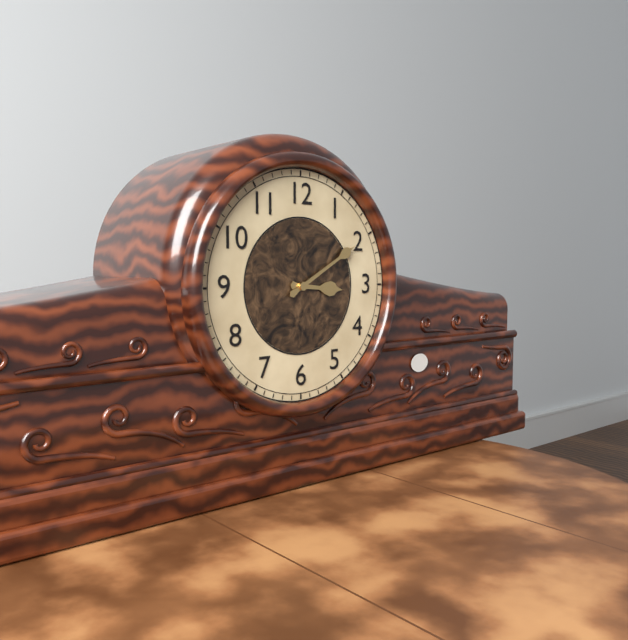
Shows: 3:10
